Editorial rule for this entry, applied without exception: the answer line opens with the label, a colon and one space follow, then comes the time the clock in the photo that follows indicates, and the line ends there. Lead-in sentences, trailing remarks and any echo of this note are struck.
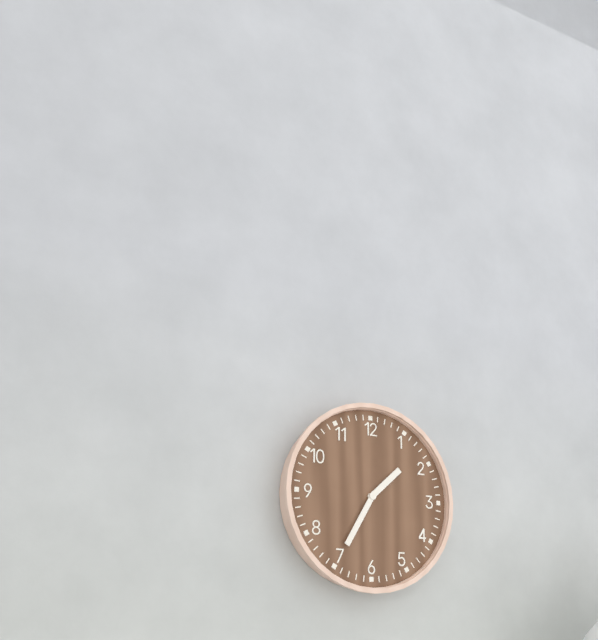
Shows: 1:35
